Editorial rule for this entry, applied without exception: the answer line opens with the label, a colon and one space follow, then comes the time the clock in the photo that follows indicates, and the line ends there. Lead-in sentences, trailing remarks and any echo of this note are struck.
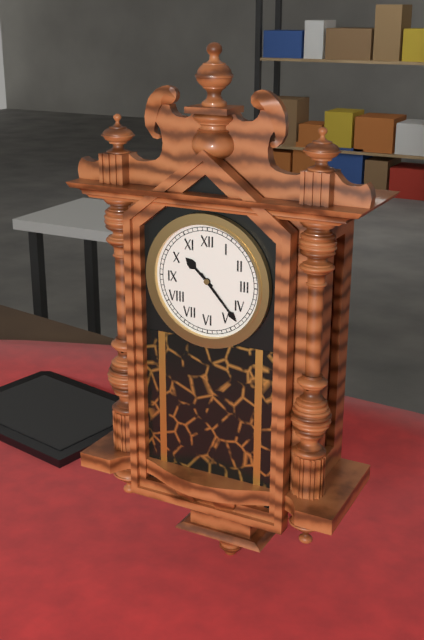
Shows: 10:23
